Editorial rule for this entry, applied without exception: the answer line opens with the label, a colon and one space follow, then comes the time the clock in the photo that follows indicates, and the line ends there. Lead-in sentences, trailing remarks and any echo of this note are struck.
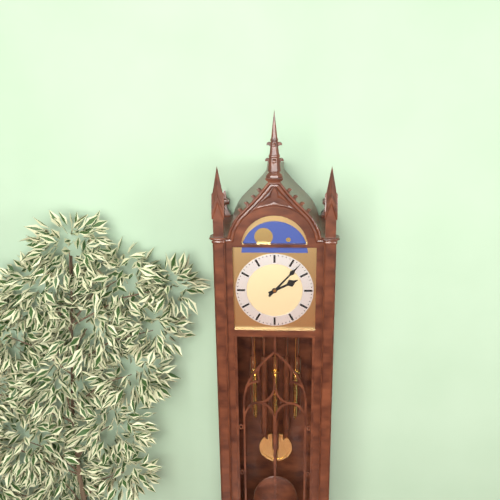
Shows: 2:07
